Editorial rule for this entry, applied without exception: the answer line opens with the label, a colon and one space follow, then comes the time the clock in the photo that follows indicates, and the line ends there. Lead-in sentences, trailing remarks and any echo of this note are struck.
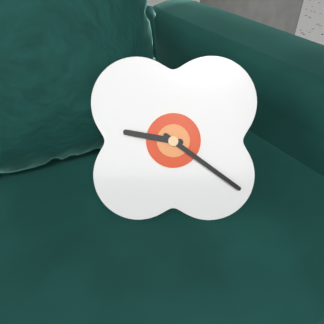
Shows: 9:21
